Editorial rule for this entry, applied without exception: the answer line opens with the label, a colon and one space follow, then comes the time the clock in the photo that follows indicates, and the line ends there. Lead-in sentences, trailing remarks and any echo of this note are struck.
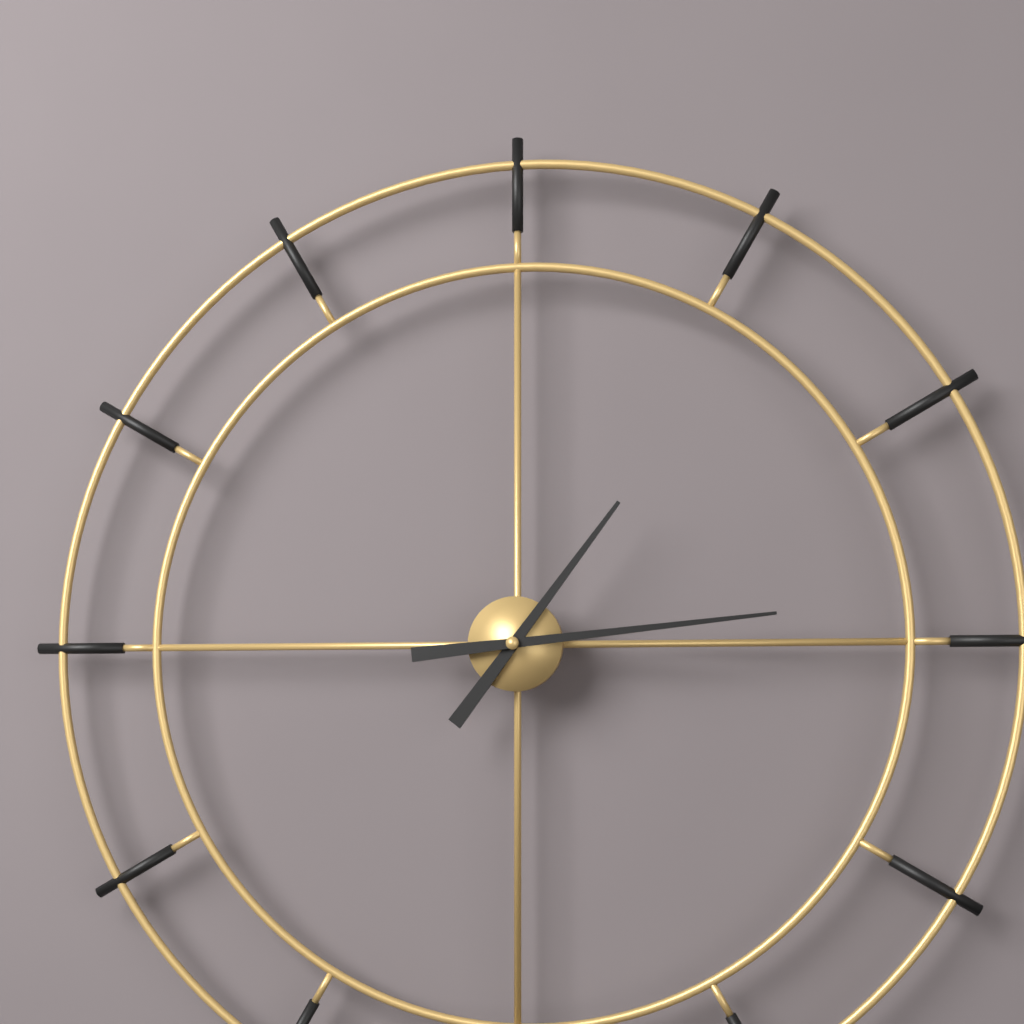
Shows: 1:14
